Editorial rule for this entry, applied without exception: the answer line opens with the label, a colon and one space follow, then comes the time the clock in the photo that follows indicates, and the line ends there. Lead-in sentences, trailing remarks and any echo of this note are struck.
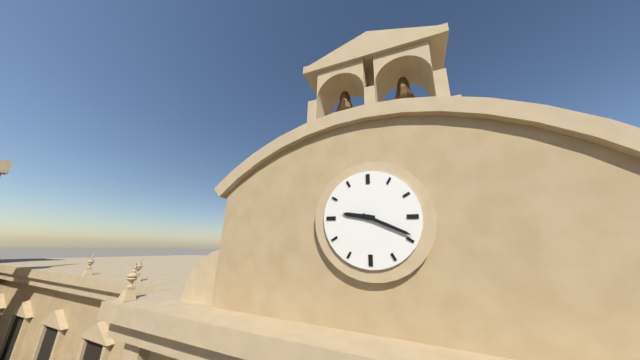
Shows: 9:19
